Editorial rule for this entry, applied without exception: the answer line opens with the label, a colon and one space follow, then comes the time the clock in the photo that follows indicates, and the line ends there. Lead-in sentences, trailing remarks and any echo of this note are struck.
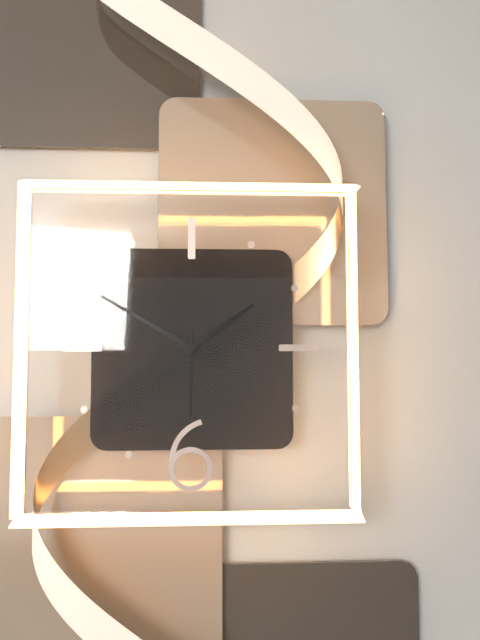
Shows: 1:50:30
